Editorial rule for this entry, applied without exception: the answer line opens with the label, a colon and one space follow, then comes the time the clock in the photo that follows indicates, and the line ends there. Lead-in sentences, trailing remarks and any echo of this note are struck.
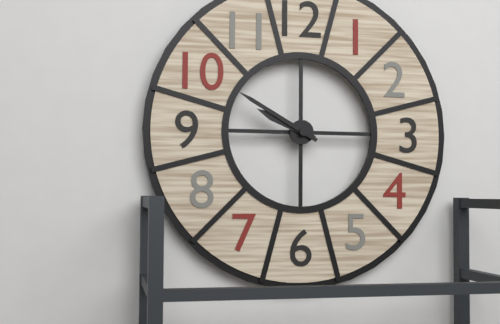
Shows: 9:50
